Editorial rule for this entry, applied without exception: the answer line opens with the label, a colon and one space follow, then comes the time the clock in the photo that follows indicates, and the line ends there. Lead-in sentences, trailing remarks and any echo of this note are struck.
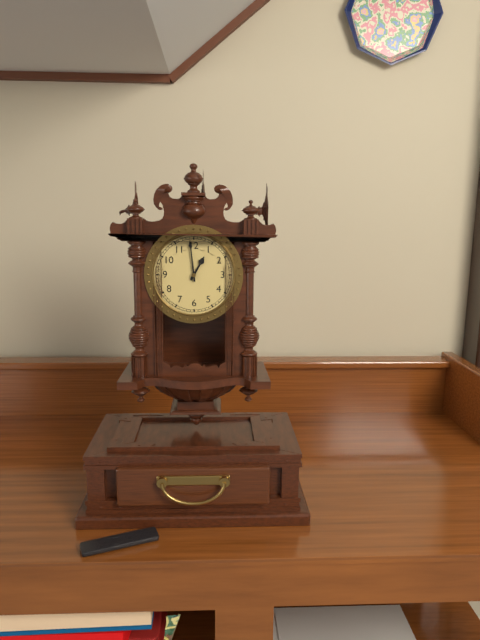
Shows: 12:59
